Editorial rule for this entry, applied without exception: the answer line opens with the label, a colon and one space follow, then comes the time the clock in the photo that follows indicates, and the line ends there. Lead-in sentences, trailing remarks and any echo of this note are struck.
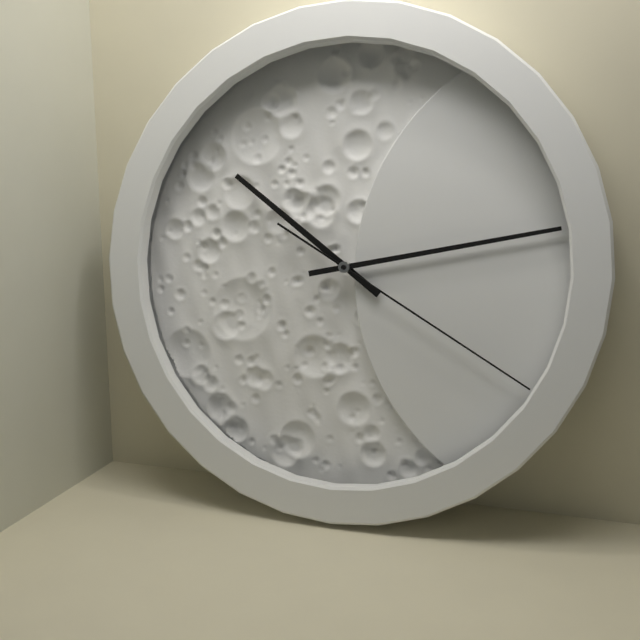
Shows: 10:13:20
